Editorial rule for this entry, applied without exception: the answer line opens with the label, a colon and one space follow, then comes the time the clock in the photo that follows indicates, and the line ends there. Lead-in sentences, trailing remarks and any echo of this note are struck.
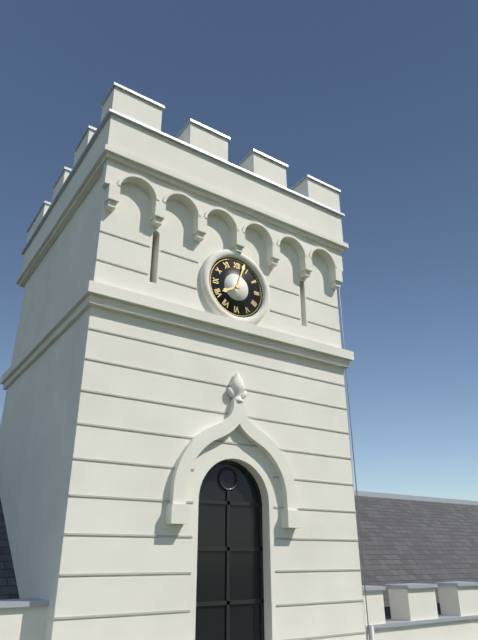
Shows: 8:03
